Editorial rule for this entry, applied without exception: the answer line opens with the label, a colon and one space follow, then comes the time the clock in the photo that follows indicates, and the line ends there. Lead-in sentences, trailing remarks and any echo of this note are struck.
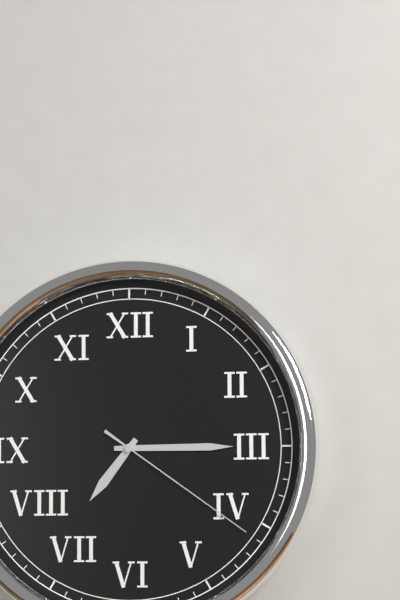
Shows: 7:15:21
